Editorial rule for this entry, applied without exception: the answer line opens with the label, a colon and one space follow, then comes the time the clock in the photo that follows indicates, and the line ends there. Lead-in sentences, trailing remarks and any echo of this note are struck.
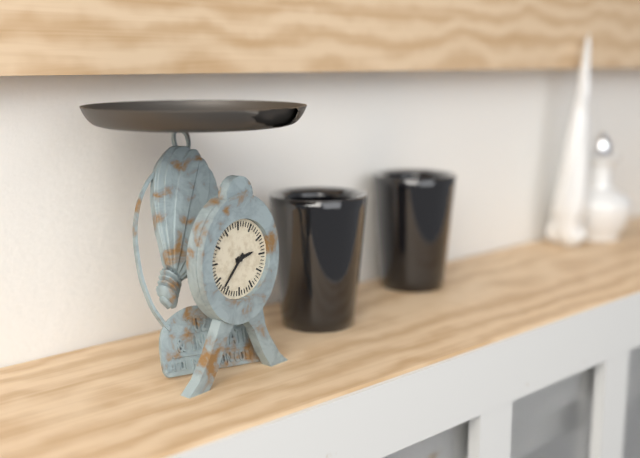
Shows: 2:37
